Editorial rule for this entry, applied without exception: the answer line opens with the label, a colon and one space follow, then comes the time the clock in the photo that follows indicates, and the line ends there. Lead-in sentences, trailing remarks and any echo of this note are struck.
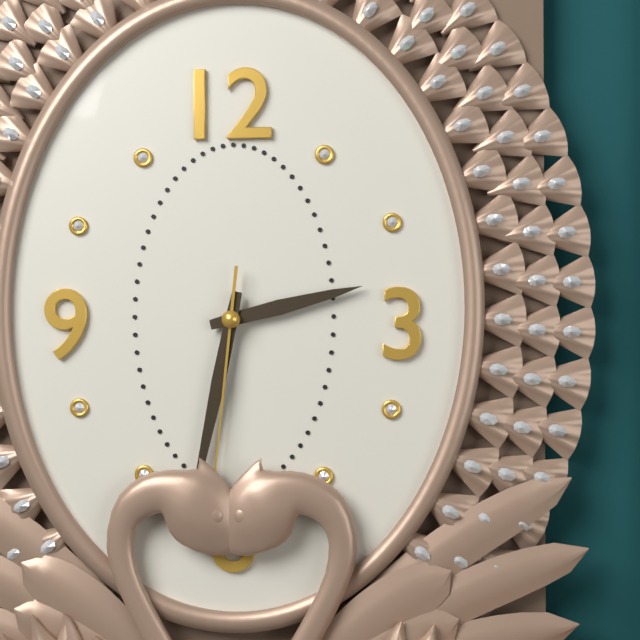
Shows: 2:32
